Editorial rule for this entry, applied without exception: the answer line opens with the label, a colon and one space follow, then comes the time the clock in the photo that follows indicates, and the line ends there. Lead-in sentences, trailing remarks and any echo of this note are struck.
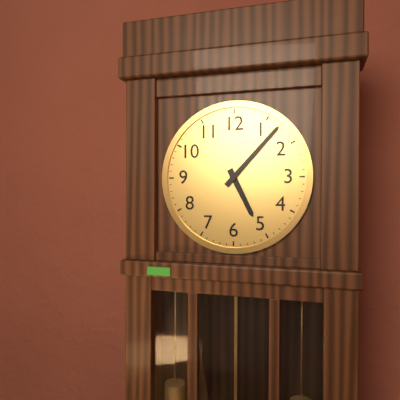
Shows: 5:07
